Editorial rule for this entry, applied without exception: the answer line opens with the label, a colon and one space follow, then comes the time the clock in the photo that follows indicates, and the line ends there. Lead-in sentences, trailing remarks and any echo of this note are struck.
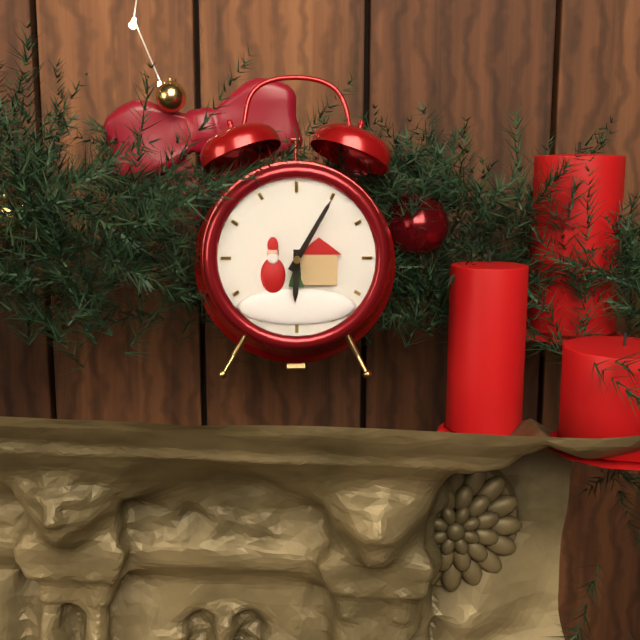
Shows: 6:05
